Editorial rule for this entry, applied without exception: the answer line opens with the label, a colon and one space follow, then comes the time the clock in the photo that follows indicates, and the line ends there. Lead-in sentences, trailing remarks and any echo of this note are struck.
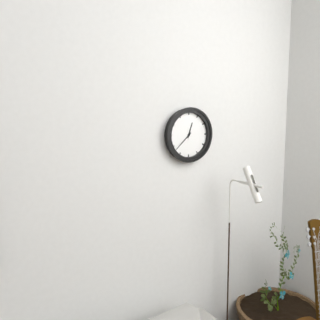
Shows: 12:38
